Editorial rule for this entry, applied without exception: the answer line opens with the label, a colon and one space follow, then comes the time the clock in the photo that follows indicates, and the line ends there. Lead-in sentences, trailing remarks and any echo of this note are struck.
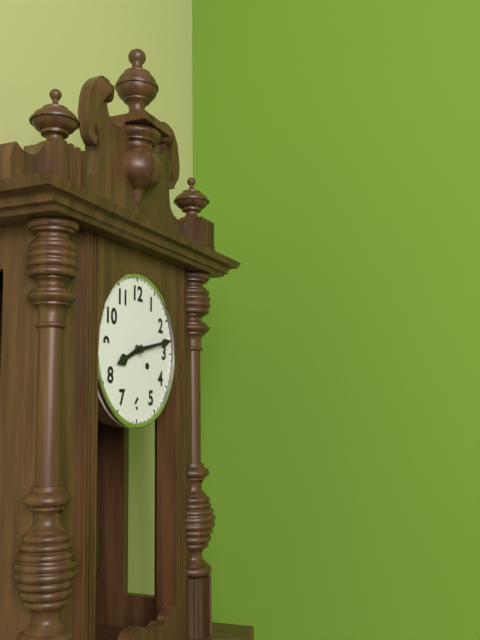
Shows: 8:13
